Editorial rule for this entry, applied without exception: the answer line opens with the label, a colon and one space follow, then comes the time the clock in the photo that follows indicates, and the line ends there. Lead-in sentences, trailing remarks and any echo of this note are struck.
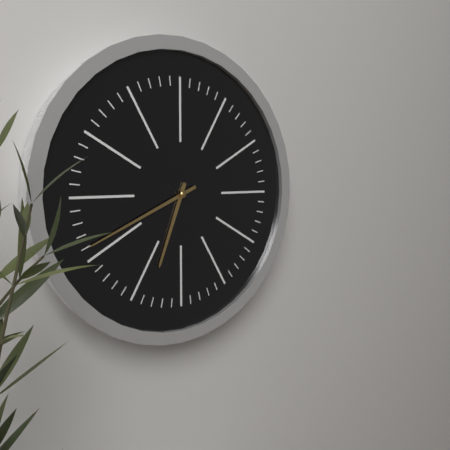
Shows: 6:41
